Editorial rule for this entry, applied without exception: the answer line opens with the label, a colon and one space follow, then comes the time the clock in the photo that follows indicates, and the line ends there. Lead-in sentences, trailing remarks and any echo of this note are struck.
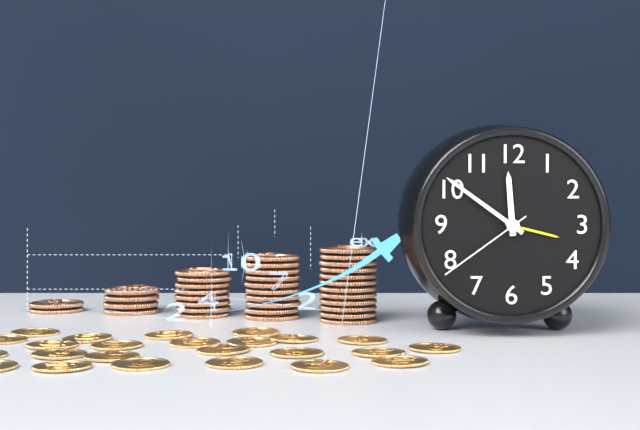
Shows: 11:51:39
